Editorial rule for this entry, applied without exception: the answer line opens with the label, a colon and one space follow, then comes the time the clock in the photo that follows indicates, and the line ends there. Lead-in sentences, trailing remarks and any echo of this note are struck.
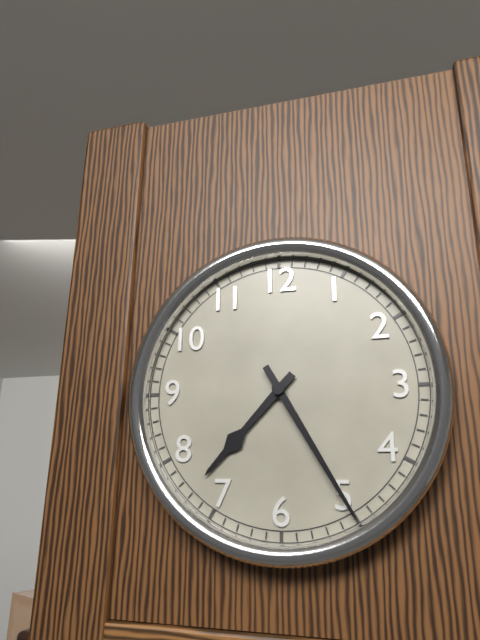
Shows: 7:25
